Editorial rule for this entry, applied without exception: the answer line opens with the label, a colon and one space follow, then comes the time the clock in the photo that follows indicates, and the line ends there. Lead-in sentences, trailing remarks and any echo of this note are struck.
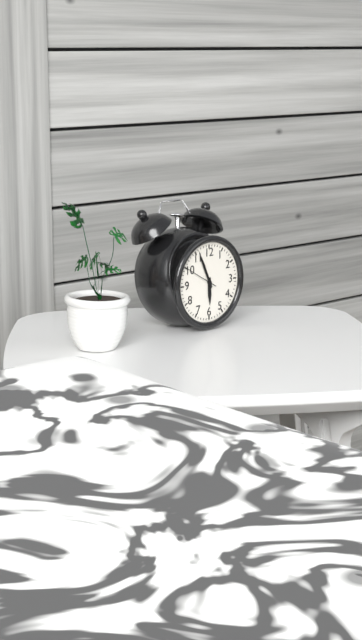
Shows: 5:56
